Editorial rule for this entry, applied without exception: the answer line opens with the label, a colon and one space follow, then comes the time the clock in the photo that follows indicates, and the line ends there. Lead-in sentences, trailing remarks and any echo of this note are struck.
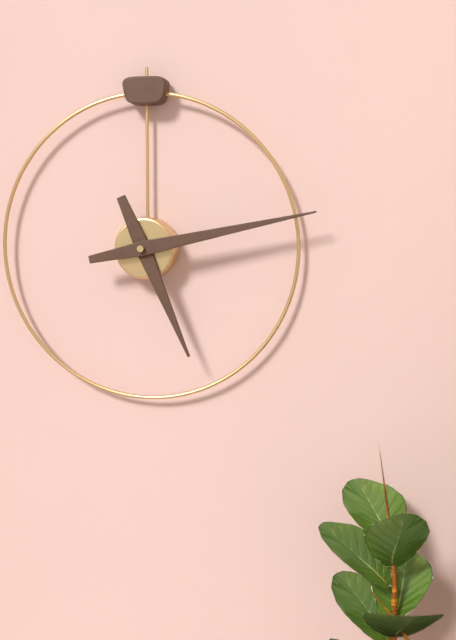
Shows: 5:13
